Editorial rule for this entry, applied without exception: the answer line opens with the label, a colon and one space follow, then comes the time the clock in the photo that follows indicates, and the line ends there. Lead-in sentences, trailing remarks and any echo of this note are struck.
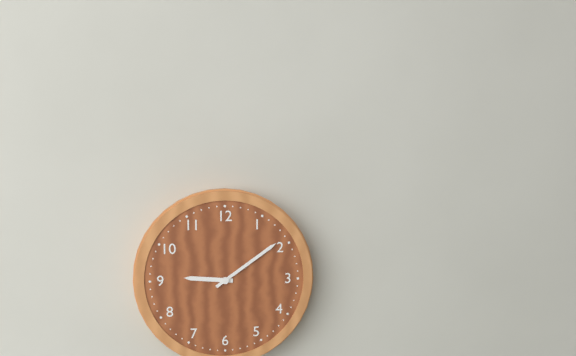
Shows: 9:09
